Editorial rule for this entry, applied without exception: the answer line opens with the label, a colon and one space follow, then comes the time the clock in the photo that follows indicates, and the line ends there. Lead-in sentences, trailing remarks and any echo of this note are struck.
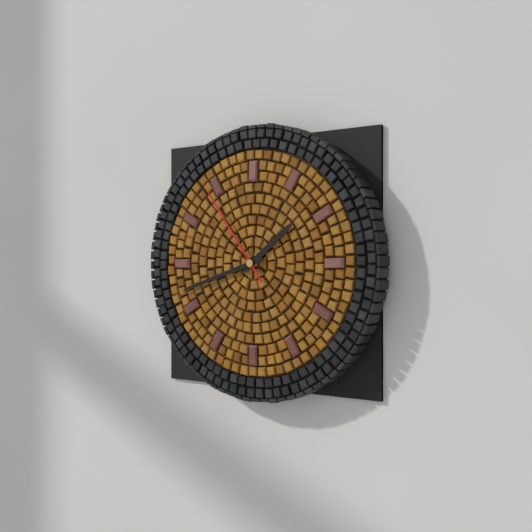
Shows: 1:42:54
